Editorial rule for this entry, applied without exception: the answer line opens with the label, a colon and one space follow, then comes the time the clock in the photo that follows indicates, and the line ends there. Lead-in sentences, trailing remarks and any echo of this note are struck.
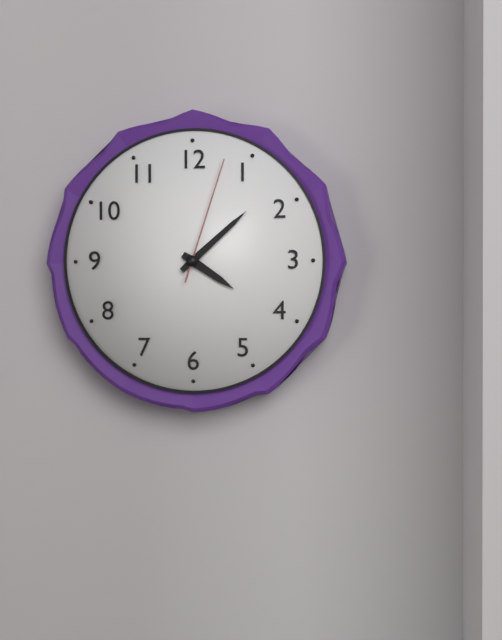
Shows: 4:08:03
